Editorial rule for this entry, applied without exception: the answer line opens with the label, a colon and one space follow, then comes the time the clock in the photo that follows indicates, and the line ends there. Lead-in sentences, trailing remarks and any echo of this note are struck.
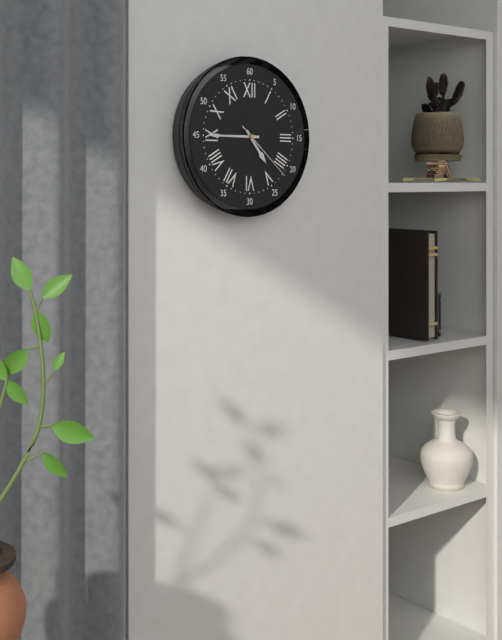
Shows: 4:45:22
